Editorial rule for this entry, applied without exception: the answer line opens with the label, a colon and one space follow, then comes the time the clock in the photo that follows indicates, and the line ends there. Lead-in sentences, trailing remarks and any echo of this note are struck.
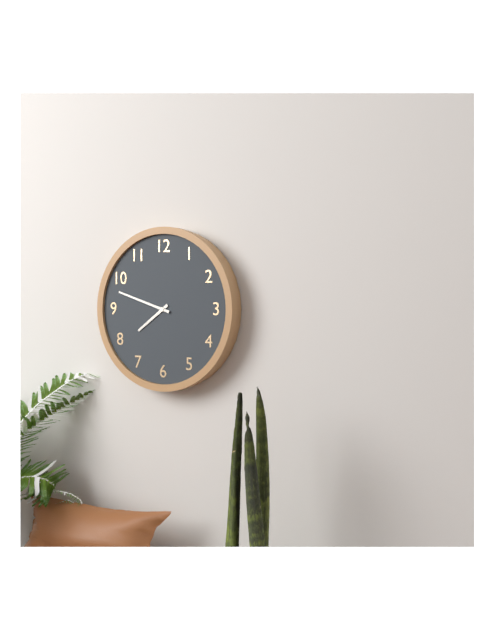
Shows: 7:48
